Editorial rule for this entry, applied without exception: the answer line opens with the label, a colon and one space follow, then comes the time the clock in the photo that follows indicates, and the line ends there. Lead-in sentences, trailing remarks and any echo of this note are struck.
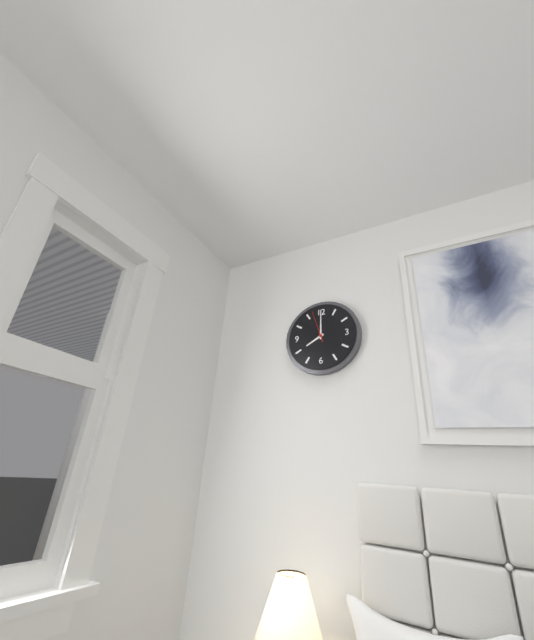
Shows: 8:00
